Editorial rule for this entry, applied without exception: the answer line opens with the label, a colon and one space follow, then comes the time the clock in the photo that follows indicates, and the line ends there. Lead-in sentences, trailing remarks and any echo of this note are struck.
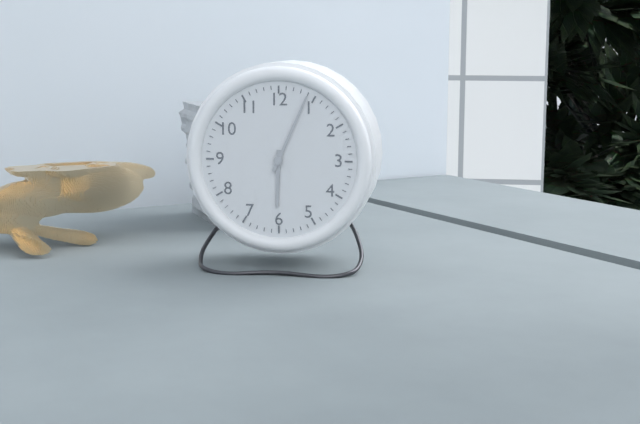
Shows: 6:04
